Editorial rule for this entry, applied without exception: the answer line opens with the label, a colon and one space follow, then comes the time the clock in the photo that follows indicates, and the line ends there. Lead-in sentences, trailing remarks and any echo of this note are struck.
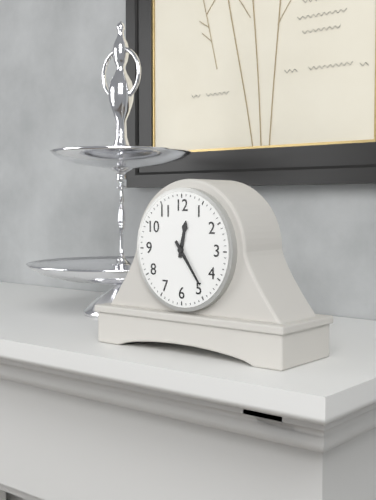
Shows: 12:24
